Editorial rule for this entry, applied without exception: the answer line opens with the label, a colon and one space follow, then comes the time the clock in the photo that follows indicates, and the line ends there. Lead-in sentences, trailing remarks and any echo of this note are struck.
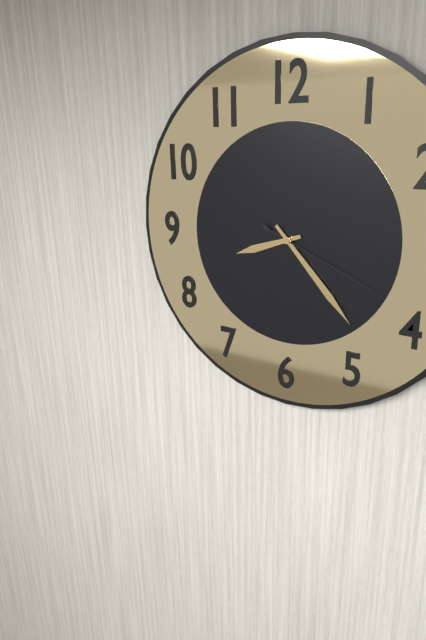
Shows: 8:23:19
